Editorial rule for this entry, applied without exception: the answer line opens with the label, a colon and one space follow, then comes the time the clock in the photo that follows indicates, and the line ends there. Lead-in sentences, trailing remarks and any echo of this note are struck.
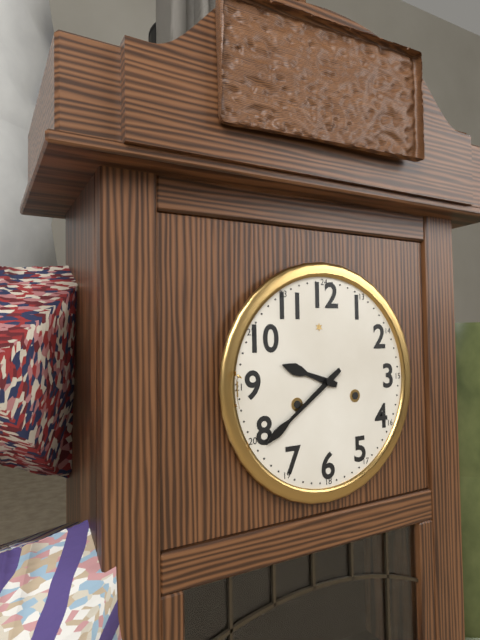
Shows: 9:39
